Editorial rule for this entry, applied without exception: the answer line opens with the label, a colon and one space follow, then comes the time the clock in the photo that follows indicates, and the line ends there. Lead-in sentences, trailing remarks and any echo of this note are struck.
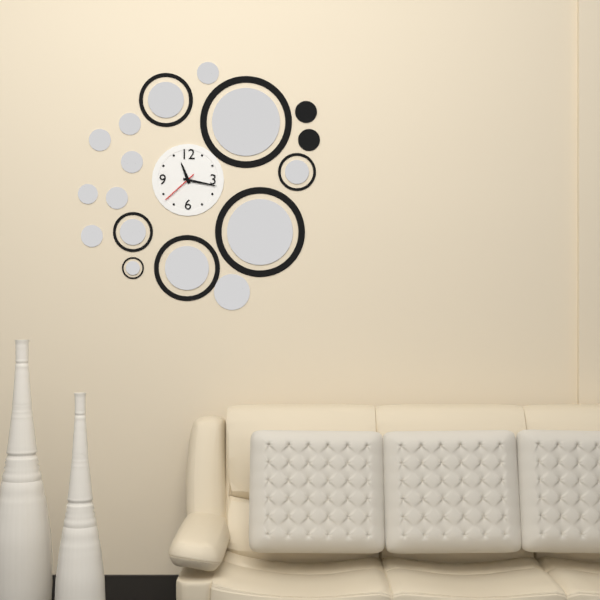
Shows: 11:17
